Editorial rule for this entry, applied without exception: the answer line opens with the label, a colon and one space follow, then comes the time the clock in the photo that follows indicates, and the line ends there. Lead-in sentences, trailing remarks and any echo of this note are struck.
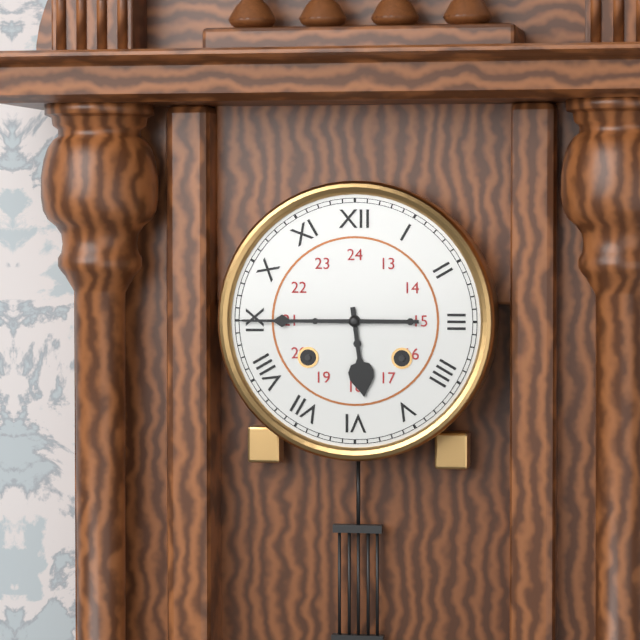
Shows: 5:45
